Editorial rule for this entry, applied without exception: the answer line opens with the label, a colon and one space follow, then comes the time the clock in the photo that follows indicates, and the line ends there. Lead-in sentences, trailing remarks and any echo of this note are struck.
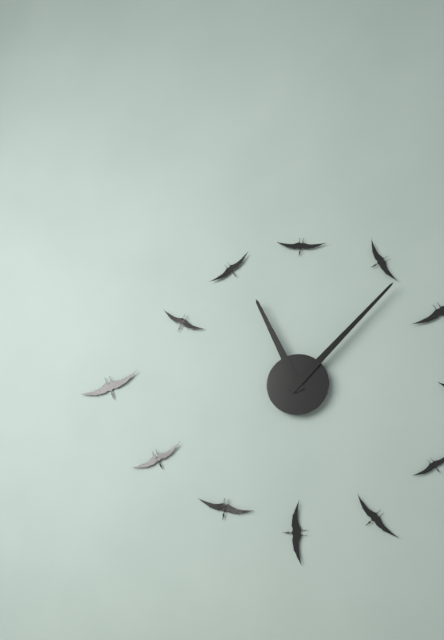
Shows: 11:07
